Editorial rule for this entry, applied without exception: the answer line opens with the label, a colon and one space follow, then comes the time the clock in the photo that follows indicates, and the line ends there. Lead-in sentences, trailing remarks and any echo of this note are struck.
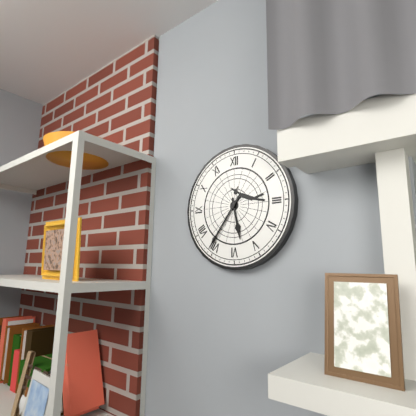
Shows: 5:36
